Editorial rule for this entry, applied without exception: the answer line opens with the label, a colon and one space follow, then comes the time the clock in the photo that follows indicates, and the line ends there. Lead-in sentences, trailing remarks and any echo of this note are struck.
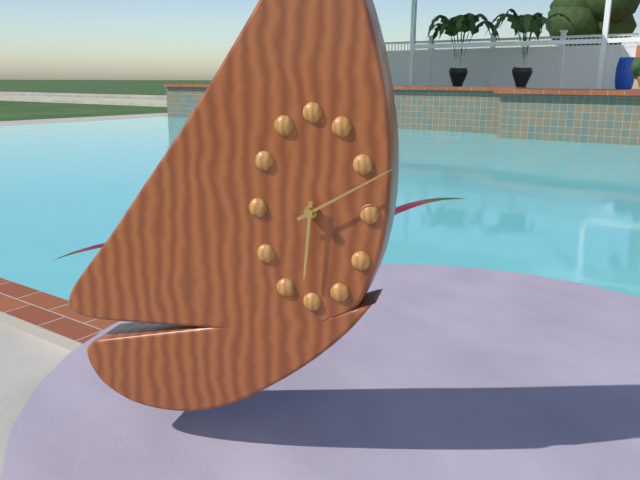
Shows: 6:10
